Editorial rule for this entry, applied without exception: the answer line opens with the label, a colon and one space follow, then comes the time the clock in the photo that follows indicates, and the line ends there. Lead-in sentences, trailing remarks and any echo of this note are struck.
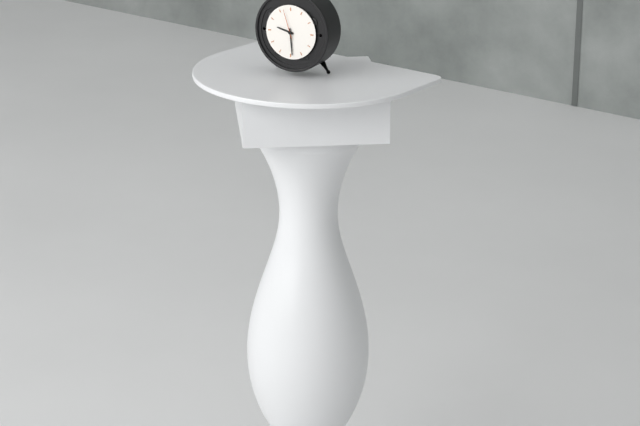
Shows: 9:29
